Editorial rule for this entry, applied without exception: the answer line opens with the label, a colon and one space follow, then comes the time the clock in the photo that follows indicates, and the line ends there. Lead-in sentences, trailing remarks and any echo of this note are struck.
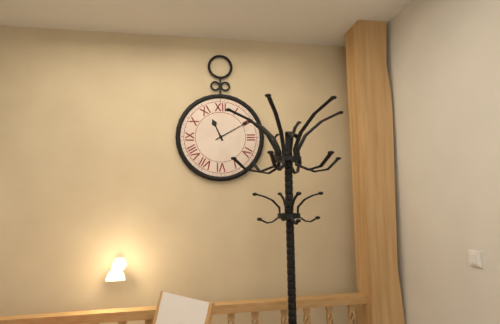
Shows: 11:10
